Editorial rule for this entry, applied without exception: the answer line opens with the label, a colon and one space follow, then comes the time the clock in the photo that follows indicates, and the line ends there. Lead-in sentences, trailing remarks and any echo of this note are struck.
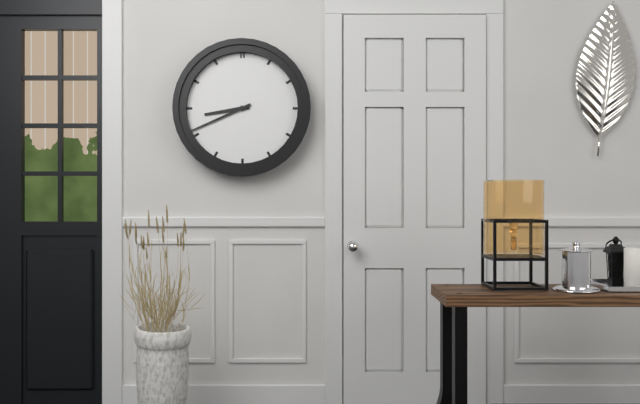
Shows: 8:41
